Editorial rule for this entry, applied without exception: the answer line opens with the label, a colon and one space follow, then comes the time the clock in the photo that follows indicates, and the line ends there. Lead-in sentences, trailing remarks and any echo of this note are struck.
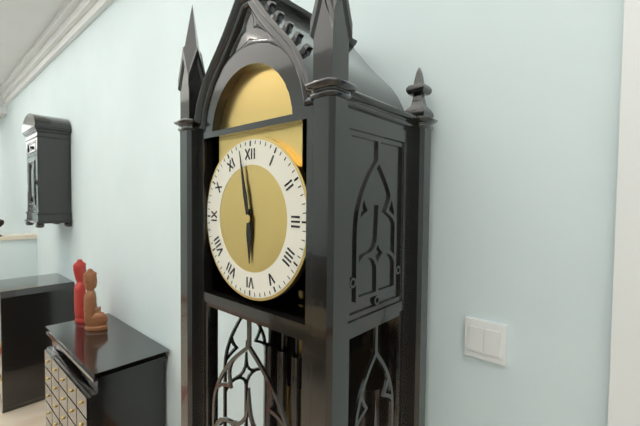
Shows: 5:58
